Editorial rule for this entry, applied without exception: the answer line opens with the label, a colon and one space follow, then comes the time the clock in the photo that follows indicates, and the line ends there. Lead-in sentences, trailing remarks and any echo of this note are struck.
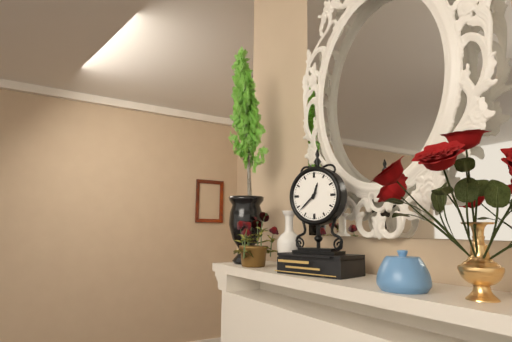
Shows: 12:38
